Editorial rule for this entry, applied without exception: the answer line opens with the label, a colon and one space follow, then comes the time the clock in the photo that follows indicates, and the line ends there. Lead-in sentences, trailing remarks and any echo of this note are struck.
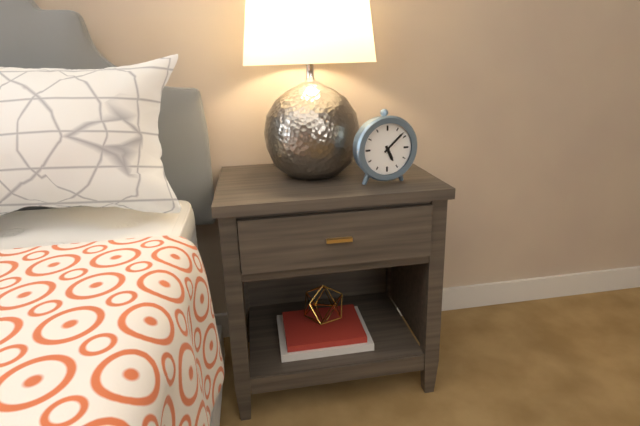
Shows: 5:08
